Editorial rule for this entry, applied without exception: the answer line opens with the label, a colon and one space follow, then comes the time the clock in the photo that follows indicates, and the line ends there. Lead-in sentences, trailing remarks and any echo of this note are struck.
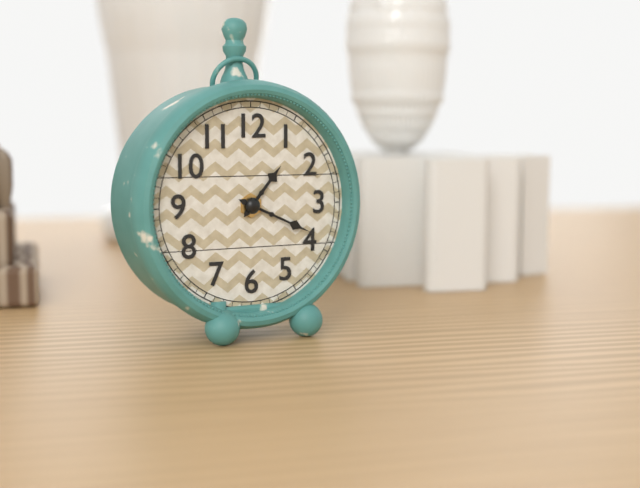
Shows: 1:19
